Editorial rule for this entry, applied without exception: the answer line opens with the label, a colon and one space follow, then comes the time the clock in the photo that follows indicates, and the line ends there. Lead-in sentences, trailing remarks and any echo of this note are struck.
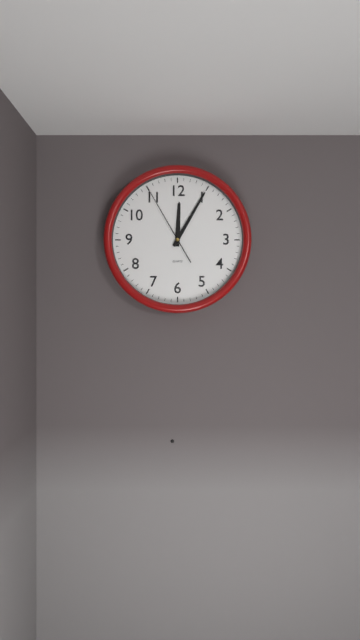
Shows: 12:05:55
